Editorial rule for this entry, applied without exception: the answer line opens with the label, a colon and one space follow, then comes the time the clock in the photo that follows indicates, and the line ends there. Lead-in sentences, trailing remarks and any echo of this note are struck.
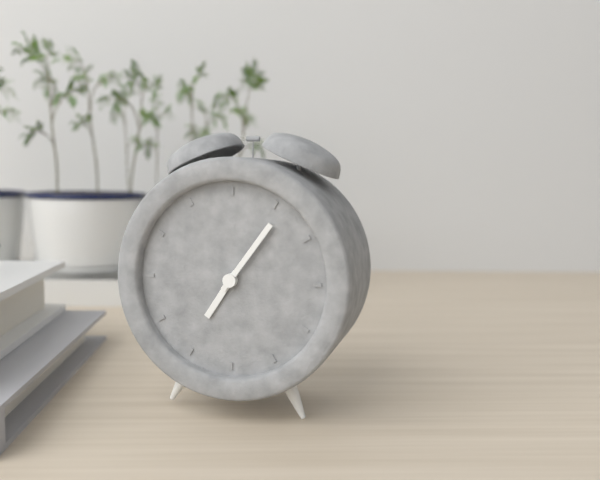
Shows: 7:06
